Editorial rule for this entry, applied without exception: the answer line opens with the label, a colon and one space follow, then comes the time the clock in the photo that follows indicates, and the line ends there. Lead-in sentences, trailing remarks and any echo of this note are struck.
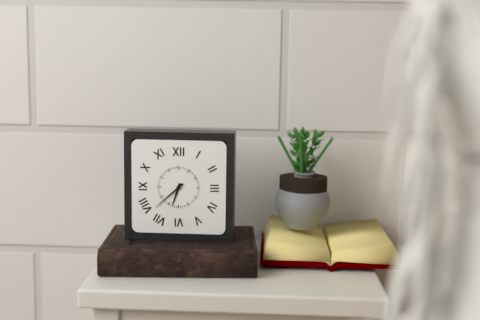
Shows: 6:38
